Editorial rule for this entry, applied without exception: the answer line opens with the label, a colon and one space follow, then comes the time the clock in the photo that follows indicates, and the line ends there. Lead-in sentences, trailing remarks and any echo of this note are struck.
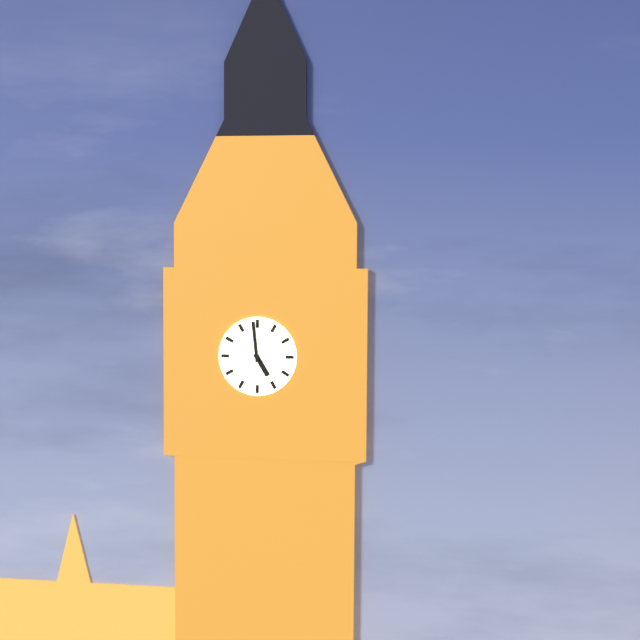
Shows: 4:59
